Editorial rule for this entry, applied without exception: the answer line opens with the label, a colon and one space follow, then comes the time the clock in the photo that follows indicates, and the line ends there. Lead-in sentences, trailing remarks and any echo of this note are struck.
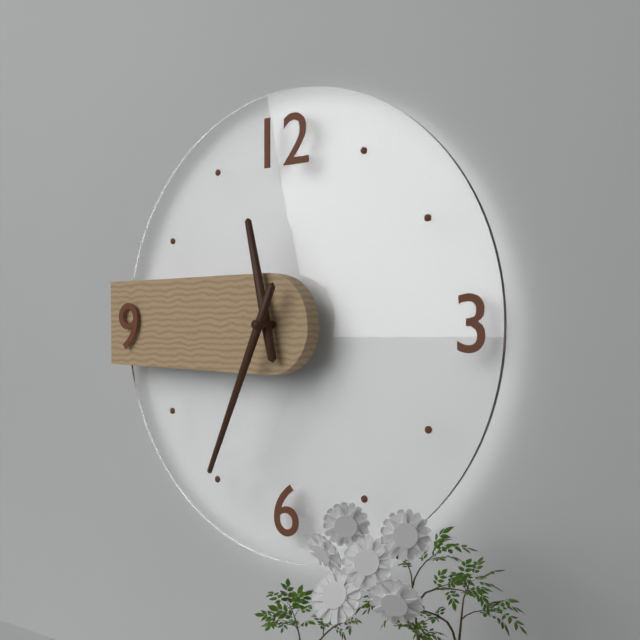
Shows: 11:34
